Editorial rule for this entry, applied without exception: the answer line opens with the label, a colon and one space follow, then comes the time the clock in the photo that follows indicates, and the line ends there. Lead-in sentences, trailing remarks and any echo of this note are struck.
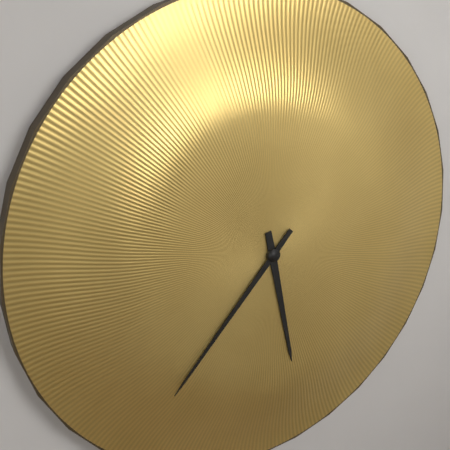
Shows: 5:37
